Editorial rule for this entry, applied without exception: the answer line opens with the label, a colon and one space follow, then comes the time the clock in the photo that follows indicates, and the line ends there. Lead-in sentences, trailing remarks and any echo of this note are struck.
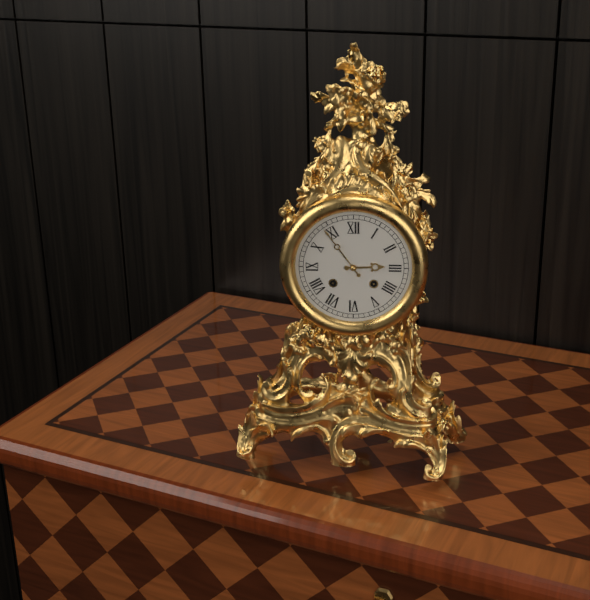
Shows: 2:54
